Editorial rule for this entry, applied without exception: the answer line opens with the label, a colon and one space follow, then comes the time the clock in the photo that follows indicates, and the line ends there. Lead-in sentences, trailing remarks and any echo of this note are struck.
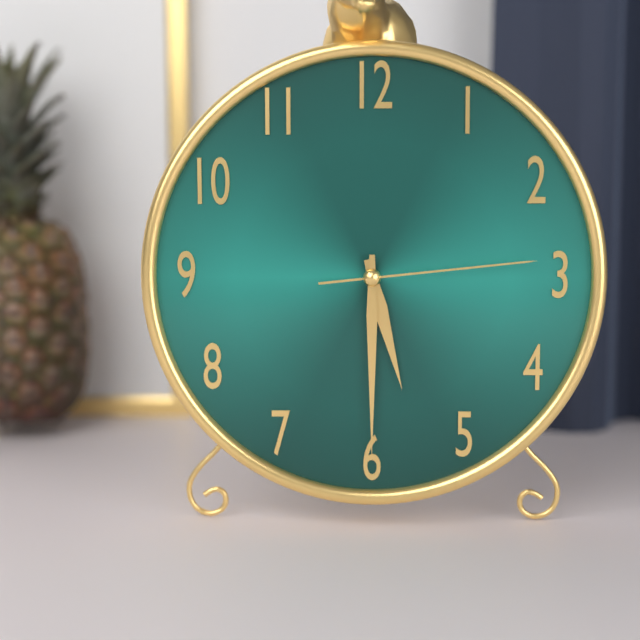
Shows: 5:30:14
